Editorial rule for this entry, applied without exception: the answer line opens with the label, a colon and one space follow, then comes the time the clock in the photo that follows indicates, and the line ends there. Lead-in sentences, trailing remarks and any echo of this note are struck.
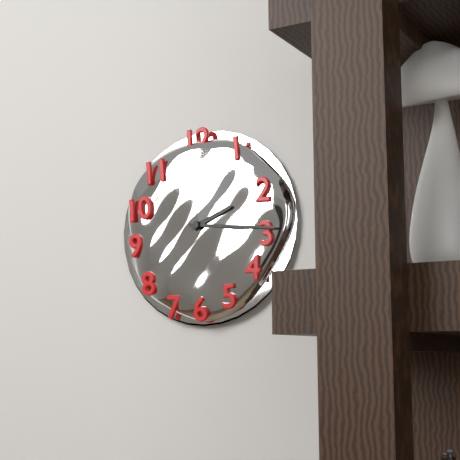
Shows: 2:16
